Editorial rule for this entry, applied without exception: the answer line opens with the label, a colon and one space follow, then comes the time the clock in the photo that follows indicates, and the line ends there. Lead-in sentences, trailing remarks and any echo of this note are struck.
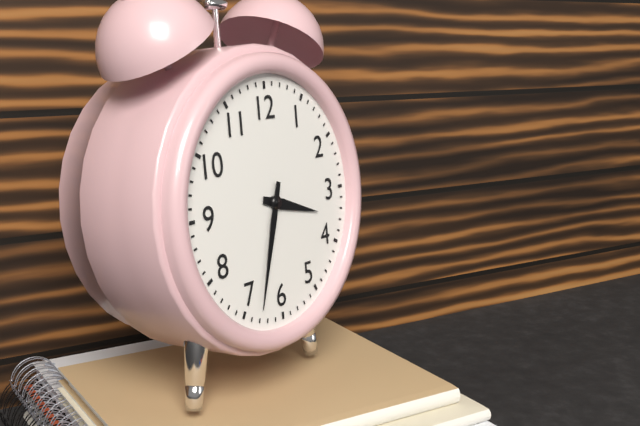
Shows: 3:33
